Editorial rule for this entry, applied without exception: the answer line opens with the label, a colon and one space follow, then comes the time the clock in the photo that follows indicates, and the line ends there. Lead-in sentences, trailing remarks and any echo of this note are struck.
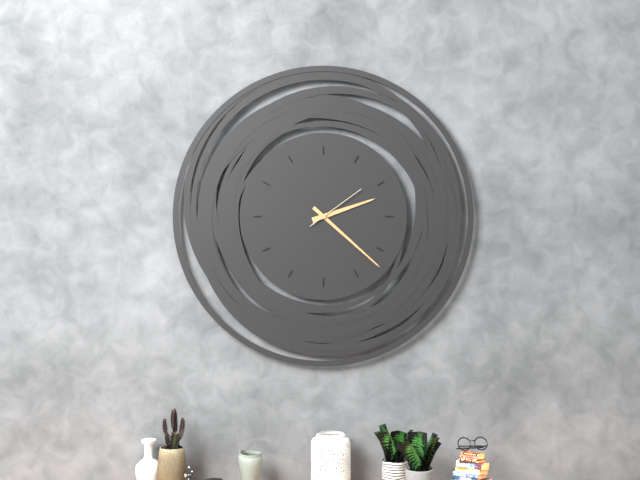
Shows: 2:22:09
